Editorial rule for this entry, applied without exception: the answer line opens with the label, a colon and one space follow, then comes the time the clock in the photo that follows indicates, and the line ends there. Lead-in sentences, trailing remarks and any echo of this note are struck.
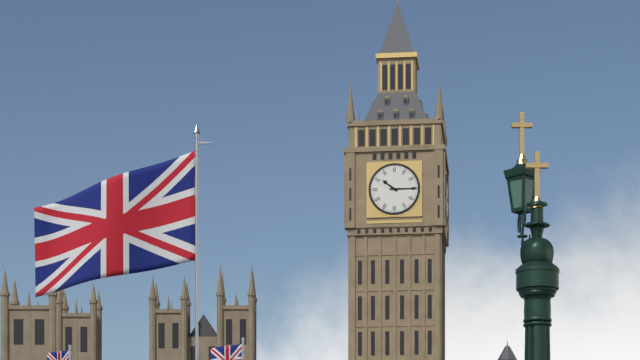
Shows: 10:15
